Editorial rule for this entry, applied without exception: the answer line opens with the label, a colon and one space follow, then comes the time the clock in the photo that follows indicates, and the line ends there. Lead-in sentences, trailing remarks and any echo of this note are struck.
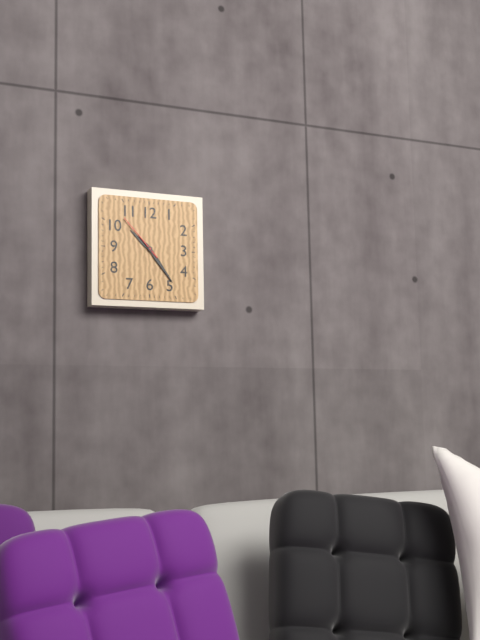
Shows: 10:24:53
